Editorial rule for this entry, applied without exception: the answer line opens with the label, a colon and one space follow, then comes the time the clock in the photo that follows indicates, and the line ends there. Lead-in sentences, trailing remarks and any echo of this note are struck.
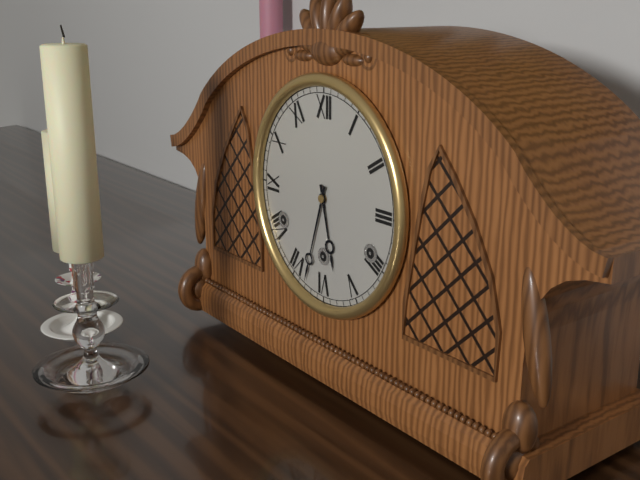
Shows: 5:33
